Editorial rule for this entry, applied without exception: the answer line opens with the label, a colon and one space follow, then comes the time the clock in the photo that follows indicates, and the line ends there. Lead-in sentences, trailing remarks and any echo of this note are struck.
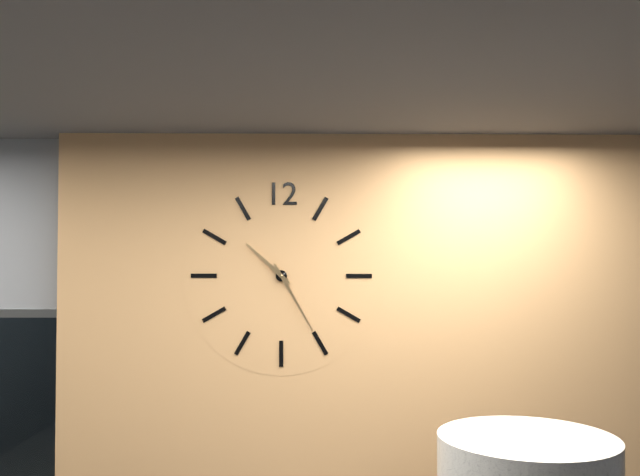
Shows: 10:25
